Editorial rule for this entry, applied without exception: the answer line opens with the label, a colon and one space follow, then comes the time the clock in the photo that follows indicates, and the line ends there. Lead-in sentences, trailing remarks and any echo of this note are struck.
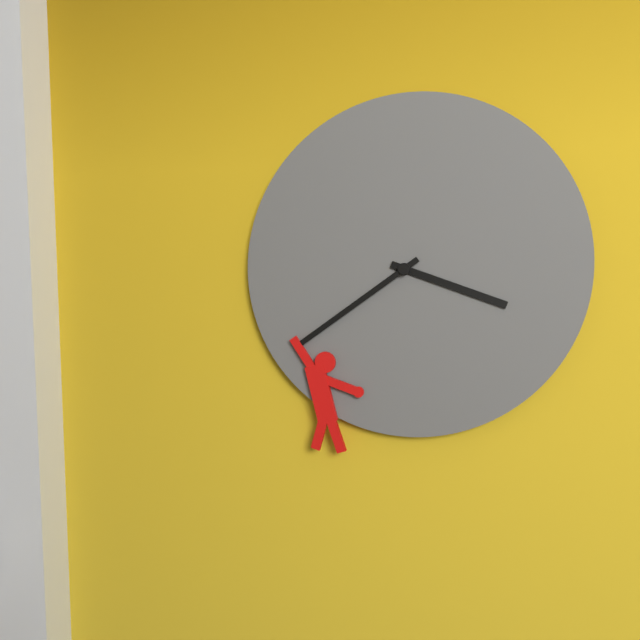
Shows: 3:39
